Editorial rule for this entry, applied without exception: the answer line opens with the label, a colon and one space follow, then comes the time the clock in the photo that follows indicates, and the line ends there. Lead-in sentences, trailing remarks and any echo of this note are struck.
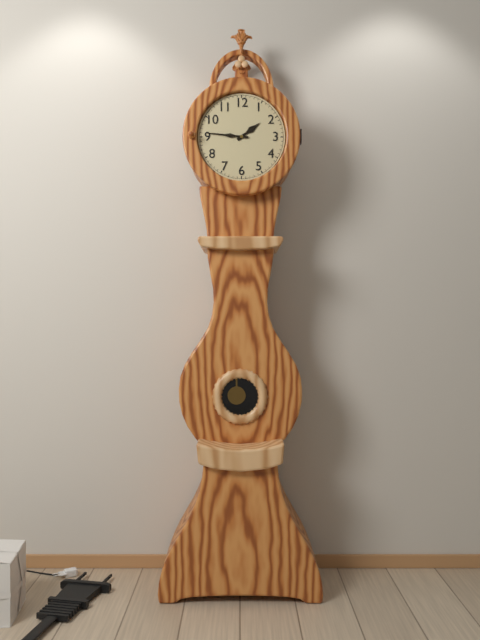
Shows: 1:46
